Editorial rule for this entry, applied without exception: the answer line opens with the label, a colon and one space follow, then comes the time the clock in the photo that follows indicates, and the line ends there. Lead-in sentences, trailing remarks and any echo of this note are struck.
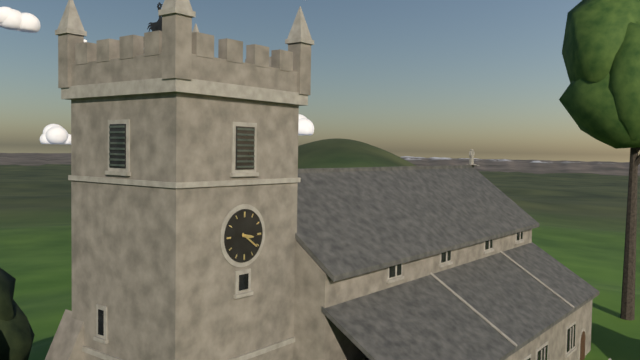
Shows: 3:21
